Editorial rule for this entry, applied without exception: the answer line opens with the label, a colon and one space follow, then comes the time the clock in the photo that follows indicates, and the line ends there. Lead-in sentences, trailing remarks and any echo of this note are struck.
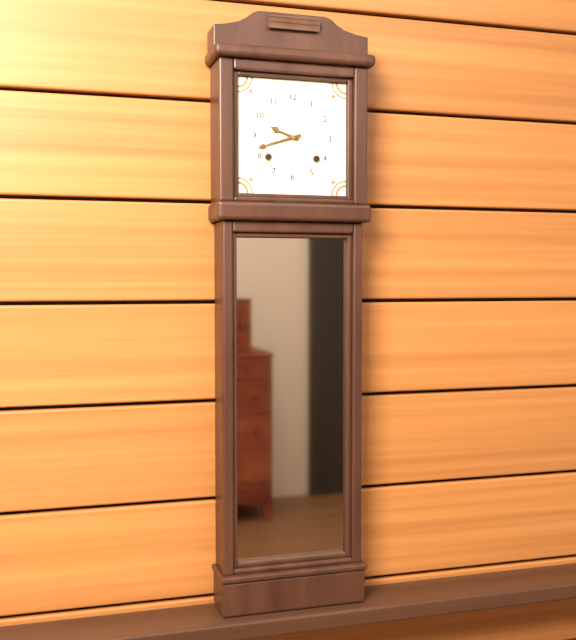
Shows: 9:42
